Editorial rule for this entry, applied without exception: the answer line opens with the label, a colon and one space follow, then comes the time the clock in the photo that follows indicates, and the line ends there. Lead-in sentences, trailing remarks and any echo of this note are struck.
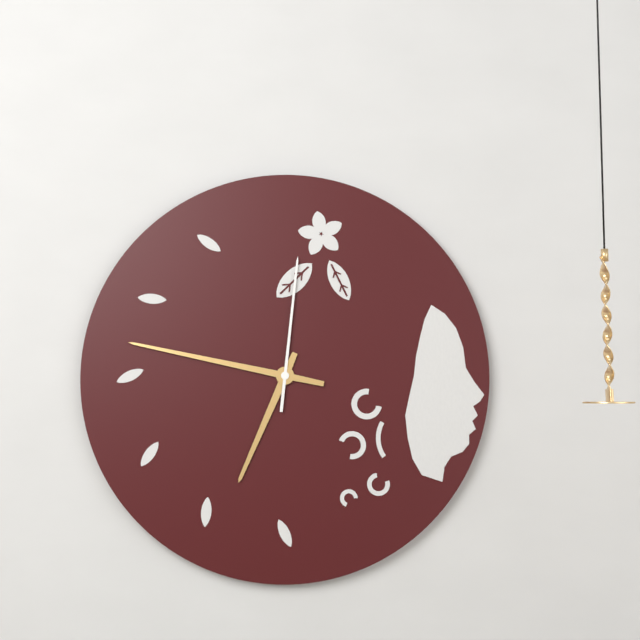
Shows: 6:47:01
